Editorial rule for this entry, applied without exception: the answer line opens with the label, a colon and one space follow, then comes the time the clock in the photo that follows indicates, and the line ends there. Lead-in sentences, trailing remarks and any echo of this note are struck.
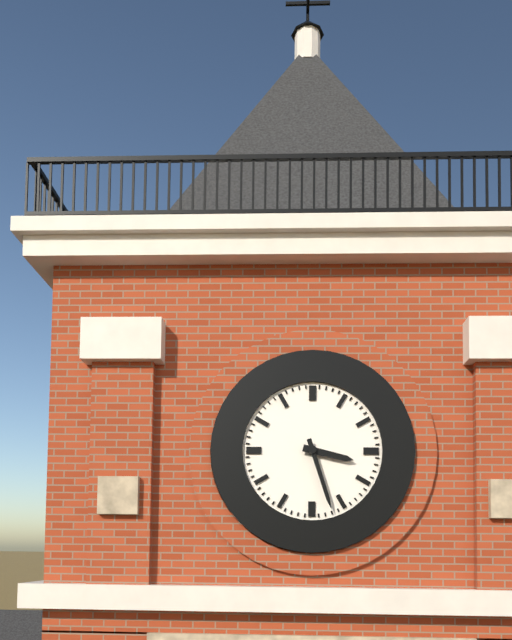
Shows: 3:27
